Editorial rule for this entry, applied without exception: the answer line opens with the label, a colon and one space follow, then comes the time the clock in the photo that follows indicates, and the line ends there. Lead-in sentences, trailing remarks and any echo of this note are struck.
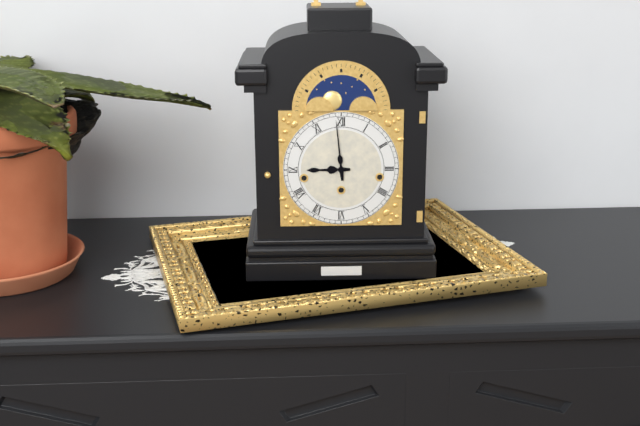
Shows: 8:59
